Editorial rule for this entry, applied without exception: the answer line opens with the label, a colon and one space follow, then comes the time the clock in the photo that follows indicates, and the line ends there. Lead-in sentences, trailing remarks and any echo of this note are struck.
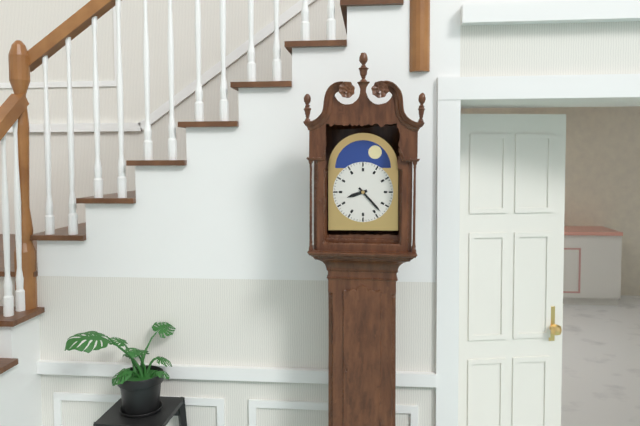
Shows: 8:23
